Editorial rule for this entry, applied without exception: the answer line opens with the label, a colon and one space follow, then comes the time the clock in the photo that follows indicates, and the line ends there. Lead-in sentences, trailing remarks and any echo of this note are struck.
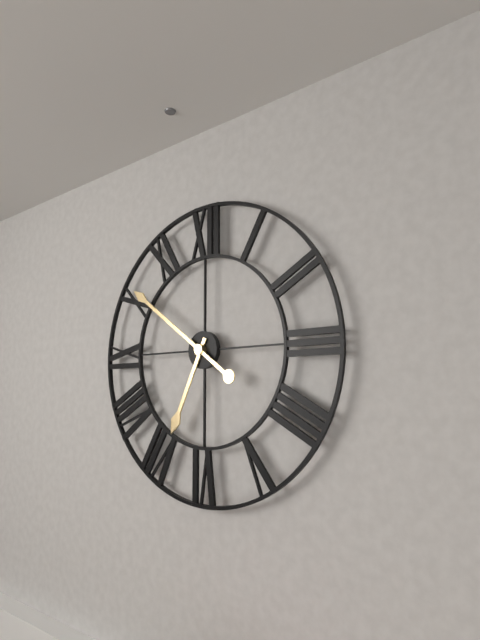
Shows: 6:51
